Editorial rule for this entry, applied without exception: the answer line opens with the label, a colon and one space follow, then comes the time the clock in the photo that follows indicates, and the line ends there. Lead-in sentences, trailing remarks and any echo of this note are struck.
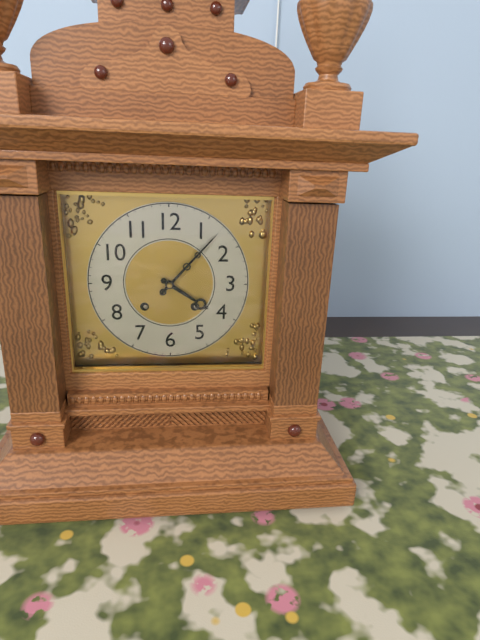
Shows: 4:07
